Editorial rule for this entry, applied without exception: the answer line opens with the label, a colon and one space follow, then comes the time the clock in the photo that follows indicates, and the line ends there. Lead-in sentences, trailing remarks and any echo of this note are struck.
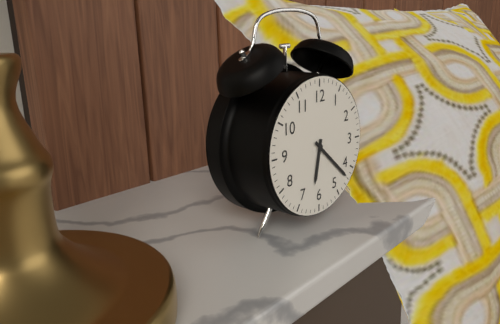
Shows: 6:22
